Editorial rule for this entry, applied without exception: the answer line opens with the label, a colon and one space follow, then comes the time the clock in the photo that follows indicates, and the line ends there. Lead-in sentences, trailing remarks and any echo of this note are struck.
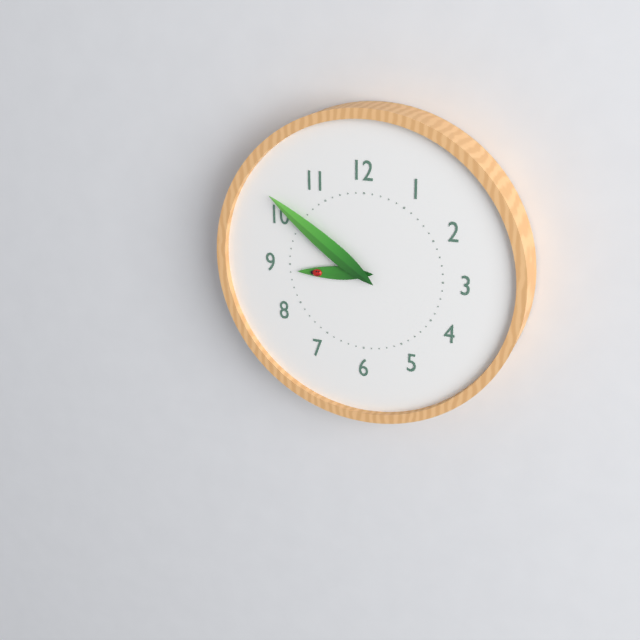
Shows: 8:51
